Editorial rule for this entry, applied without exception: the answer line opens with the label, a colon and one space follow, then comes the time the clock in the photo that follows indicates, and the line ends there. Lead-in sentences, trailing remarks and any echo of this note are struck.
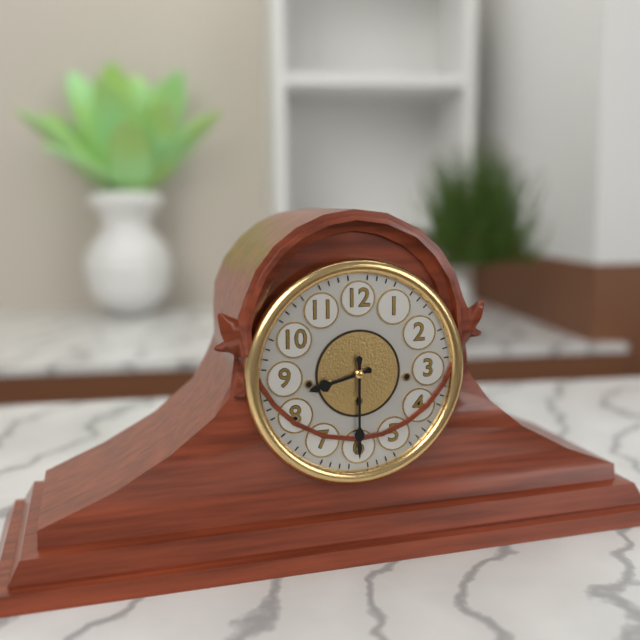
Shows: 8:30
